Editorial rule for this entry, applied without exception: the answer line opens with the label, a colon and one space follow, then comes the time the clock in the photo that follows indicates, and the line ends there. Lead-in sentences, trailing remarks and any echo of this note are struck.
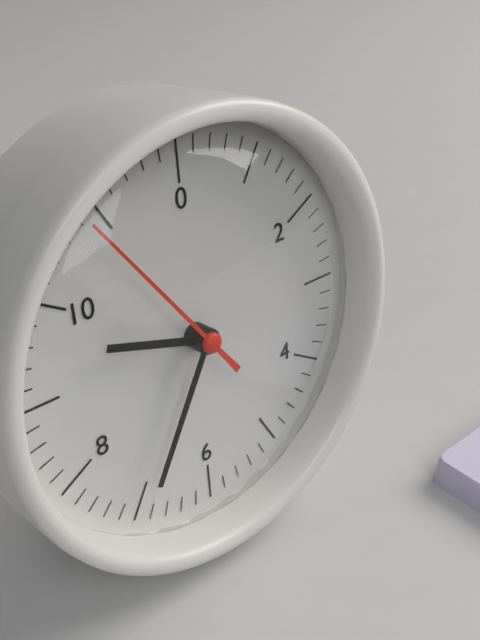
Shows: 9:35:54
